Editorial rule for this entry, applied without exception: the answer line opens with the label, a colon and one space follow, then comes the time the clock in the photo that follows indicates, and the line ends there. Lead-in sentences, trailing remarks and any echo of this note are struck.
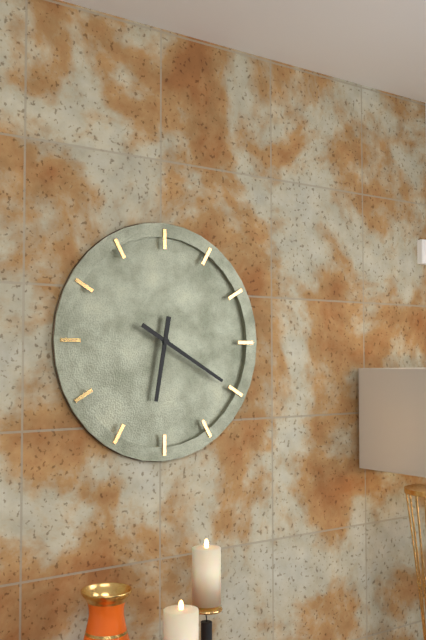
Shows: 6:20
